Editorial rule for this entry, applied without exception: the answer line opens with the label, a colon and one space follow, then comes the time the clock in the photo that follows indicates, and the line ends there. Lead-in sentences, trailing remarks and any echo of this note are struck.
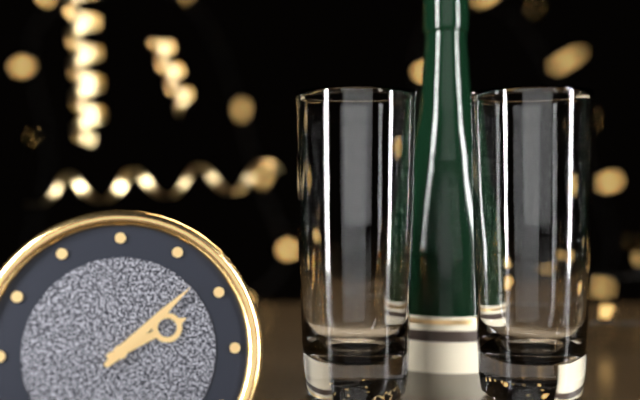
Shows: 2:08
